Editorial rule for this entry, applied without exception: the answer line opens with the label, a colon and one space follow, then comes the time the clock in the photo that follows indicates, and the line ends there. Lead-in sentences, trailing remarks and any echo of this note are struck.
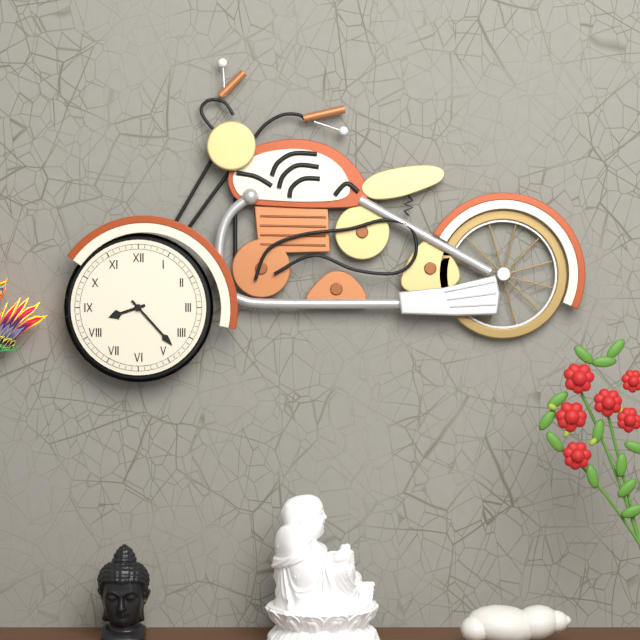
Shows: 8:23
